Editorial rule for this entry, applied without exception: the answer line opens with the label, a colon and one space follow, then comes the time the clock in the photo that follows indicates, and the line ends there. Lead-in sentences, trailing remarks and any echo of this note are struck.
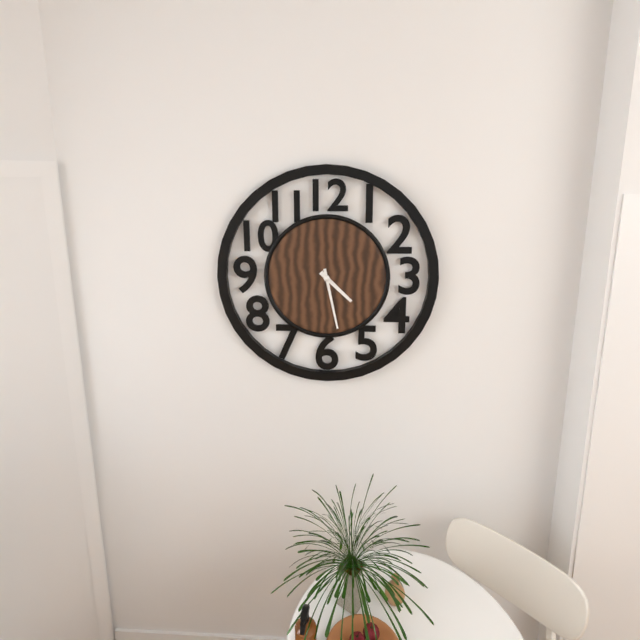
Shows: 4:28
